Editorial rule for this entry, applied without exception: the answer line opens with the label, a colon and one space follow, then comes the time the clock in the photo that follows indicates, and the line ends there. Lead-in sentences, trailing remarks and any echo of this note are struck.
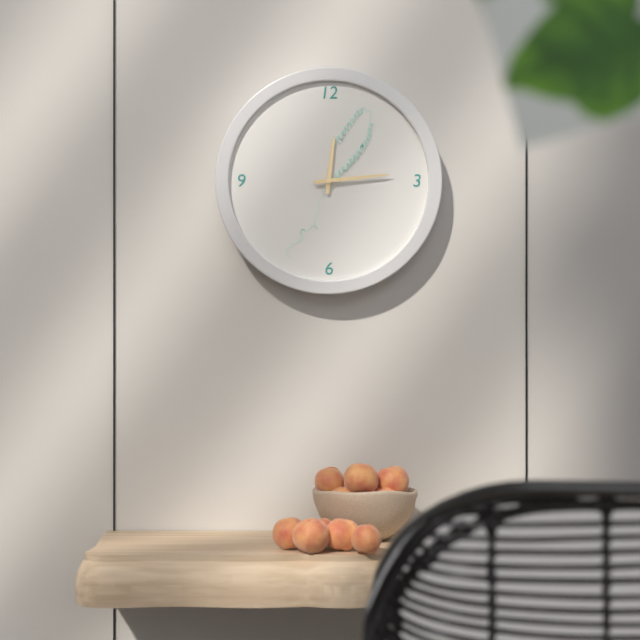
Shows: 12:14
